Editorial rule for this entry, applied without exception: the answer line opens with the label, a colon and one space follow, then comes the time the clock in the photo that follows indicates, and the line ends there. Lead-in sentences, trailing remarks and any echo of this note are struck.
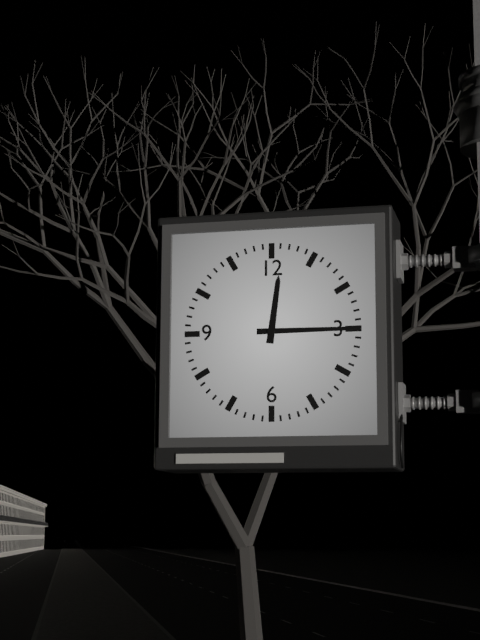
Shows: 12:15
